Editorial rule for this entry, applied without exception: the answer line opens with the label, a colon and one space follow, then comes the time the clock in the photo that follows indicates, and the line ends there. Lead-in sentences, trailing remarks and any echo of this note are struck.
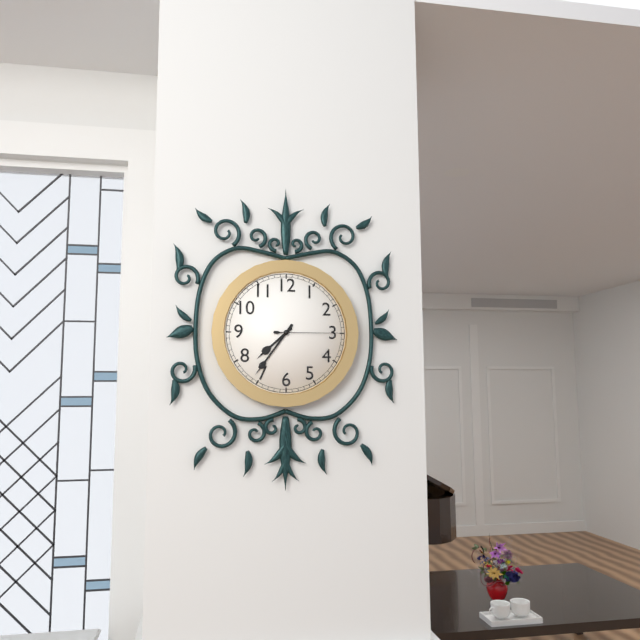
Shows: 7:36:15
